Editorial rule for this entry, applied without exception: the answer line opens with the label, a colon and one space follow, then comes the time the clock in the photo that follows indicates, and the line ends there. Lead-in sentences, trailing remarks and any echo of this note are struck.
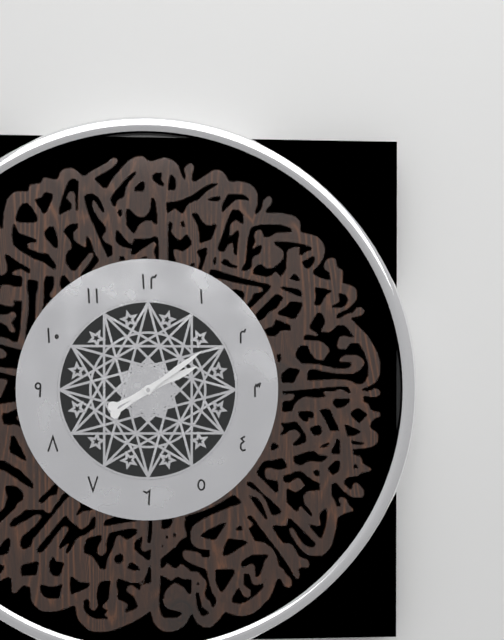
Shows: 2:09
